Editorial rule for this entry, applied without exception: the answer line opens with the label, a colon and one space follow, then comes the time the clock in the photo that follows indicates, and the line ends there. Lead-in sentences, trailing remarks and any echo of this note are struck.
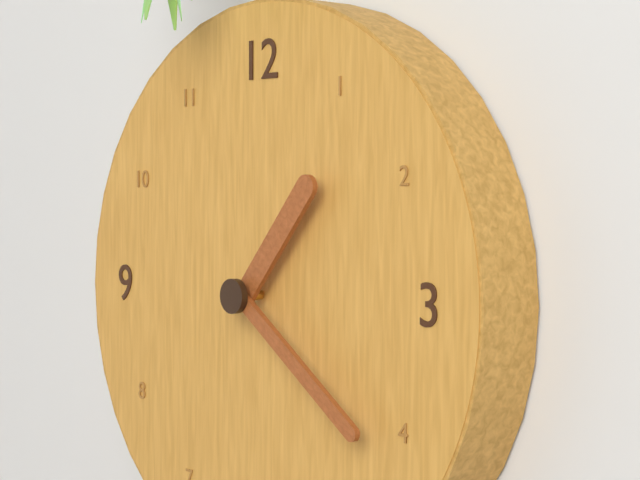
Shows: 1:21
